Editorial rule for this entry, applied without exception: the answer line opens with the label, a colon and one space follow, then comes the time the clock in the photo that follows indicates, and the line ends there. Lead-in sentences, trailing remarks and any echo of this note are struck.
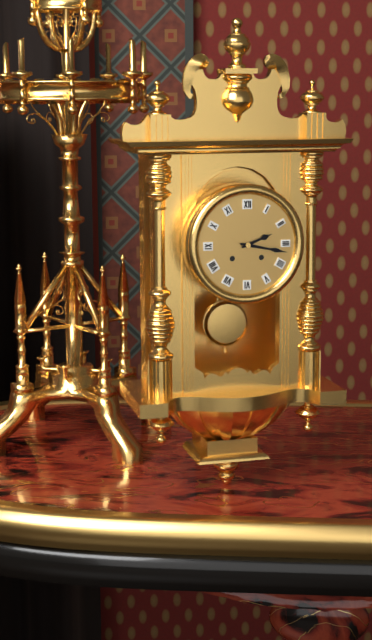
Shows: 2:17
